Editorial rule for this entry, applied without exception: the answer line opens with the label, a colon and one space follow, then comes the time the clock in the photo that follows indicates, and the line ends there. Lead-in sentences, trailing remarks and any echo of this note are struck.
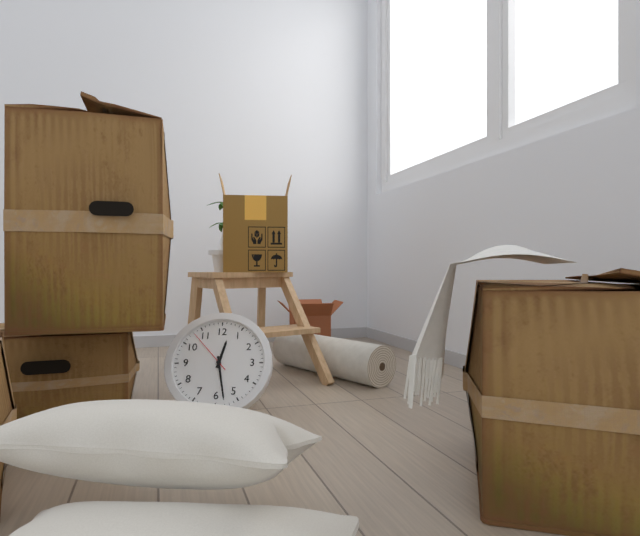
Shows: 12:28
